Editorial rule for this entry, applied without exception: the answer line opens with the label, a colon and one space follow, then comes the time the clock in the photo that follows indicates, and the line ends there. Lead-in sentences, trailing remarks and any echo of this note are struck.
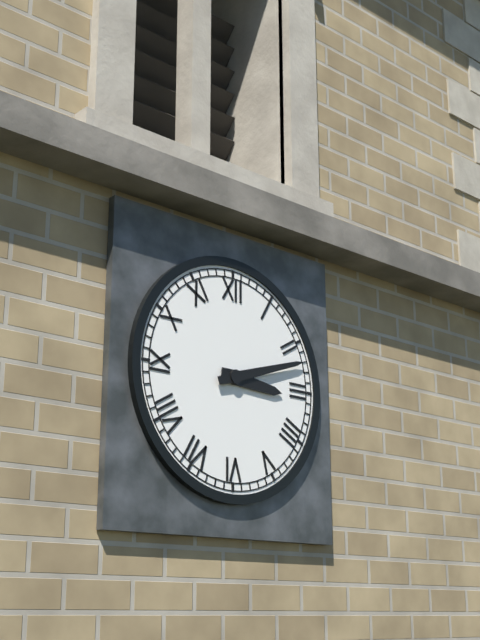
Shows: 3:12
